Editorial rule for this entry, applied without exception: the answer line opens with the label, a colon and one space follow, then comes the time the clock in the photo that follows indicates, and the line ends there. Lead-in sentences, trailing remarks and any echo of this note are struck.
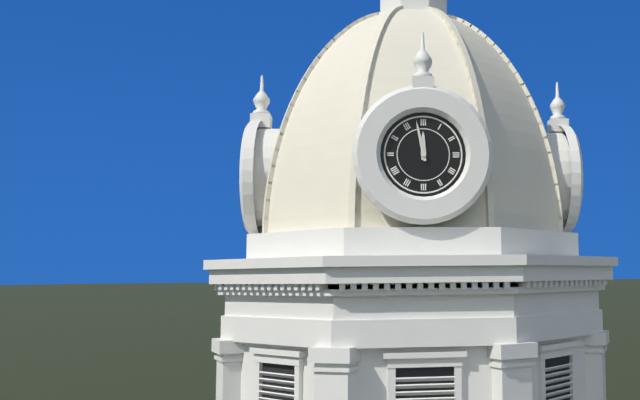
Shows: 11:58
